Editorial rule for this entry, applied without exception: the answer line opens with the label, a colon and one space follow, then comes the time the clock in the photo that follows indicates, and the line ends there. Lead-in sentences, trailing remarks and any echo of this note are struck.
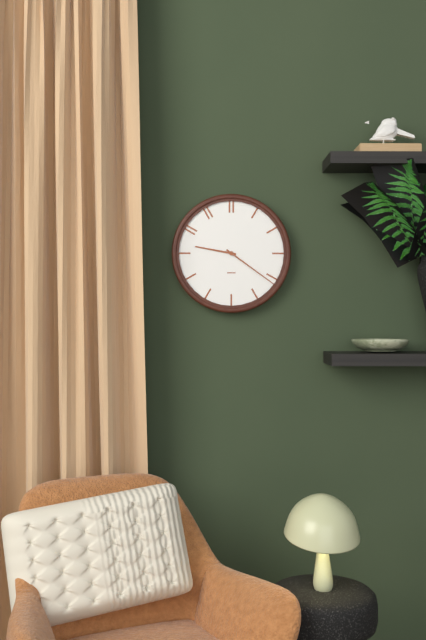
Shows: 9:21
